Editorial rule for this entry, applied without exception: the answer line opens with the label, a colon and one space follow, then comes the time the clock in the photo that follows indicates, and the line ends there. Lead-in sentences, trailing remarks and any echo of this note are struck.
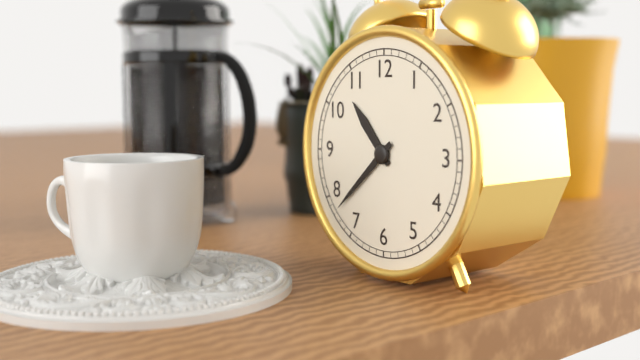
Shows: 10:38
